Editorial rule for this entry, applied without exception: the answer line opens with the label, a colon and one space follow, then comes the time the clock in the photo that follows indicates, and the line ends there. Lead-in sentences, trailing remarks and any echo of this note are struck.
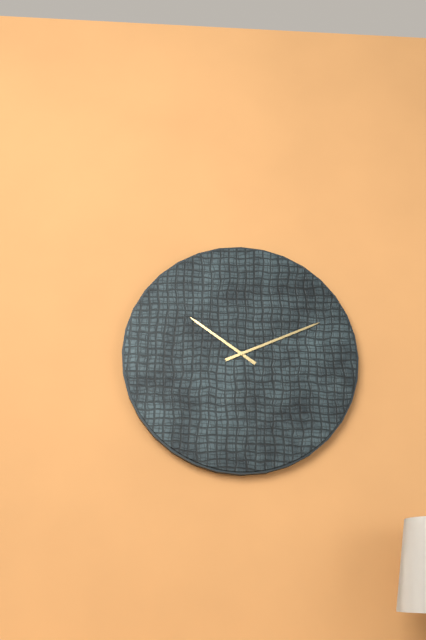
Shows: 10:11
